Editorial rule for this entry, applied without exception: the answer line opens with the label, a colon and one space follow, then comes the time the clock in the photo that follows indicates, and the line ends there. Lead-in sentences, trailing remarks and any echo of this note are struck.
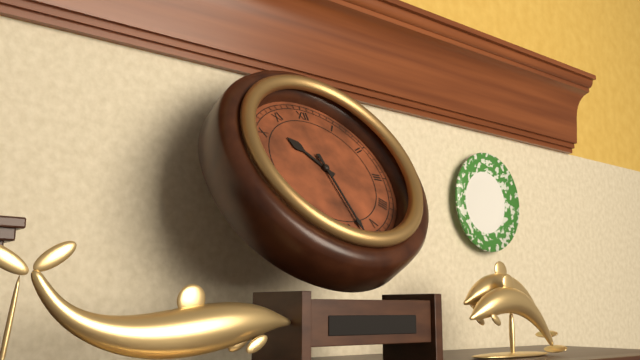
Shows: 10:28
